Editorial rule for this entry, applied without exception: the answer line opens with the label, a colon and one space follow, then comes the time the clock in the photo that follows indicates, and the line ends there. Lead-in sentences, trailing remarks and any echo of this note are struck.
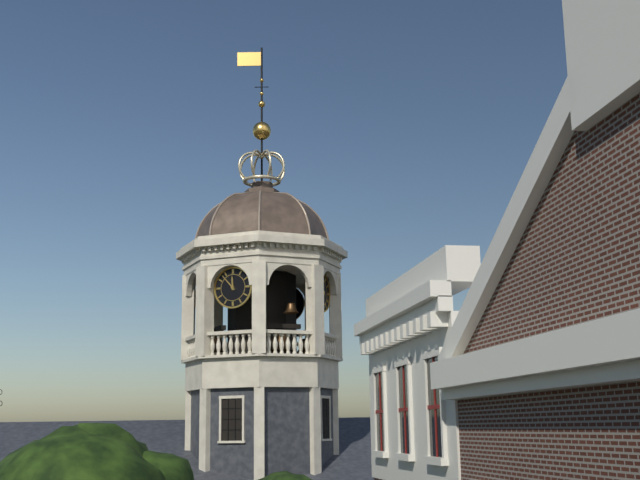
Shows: 11:53
